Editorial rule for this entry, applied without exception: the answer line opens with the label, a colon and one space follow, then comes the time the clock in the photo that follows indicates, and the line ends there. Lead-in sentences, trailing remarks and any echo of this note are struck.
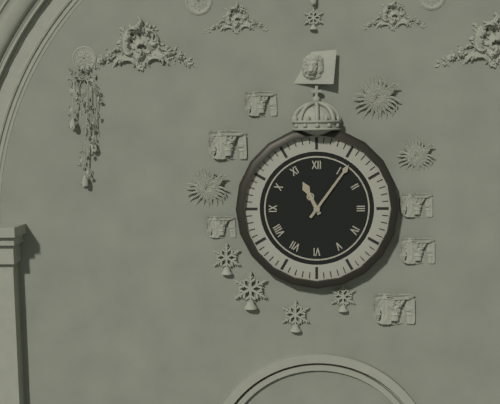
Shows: 11:06
